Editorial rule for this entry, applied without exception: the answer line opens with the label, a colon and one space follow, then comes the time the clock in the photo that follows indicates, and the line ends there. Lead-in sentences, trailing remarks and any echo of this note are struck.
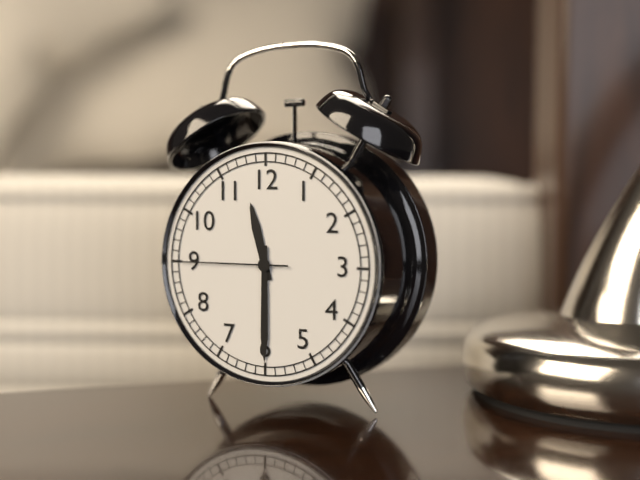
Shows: 11:30:45
